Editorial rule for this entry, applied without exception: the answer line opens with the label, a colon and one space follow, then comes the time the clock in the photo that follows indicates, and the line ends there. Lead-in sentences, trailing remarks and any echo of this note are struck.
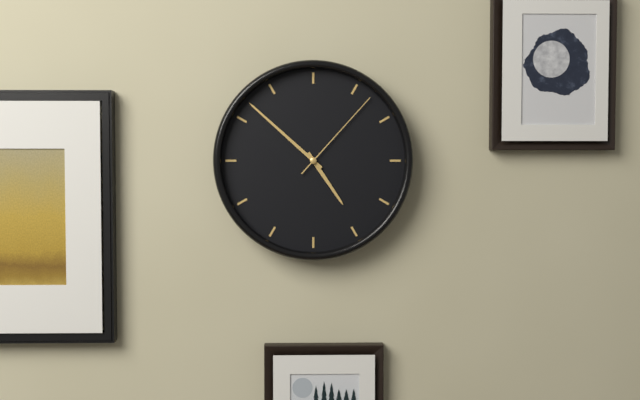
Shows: 4:52:07
